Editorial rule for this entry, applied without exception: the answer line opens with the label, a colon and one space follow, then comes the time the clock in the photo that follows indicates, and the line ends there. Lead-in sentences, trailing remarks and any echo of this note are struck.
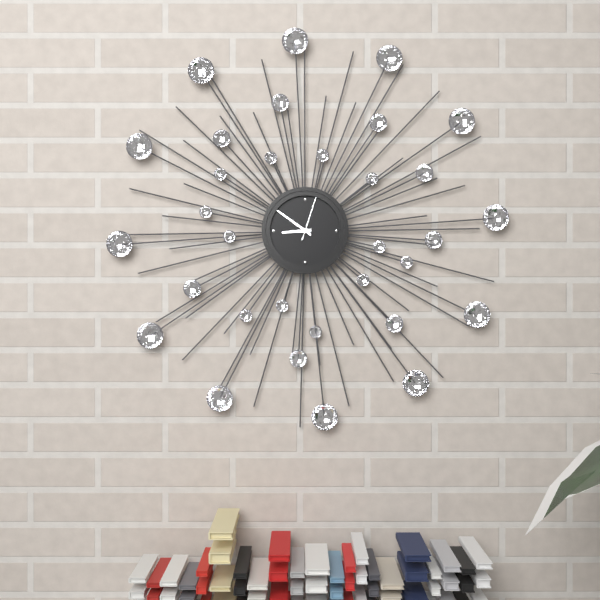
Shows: 8:51
